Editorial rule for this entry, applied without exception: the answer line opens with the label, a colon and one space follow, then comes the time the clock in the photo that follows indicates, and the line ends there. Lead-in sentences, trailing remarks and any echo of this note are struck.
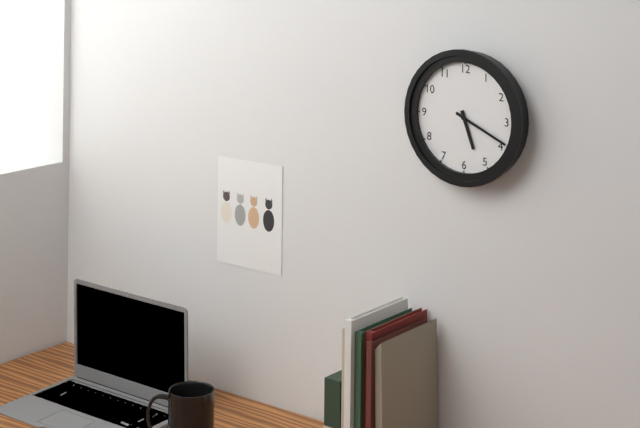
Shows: 5:19
